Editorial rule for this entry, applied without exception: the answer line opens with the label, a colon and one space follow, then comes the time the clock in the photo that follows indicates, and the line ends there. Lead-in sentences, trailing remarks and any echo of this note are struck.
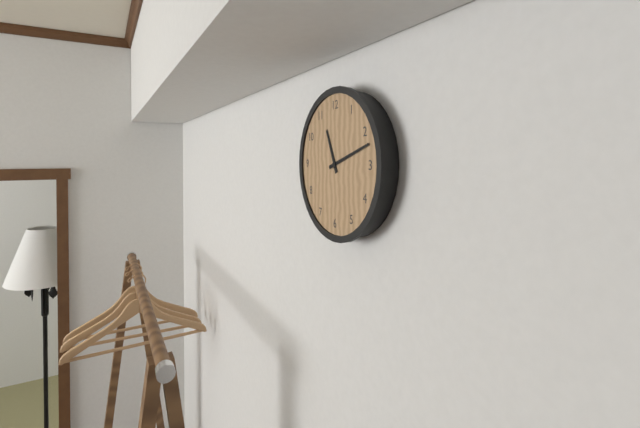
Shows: 11:12
